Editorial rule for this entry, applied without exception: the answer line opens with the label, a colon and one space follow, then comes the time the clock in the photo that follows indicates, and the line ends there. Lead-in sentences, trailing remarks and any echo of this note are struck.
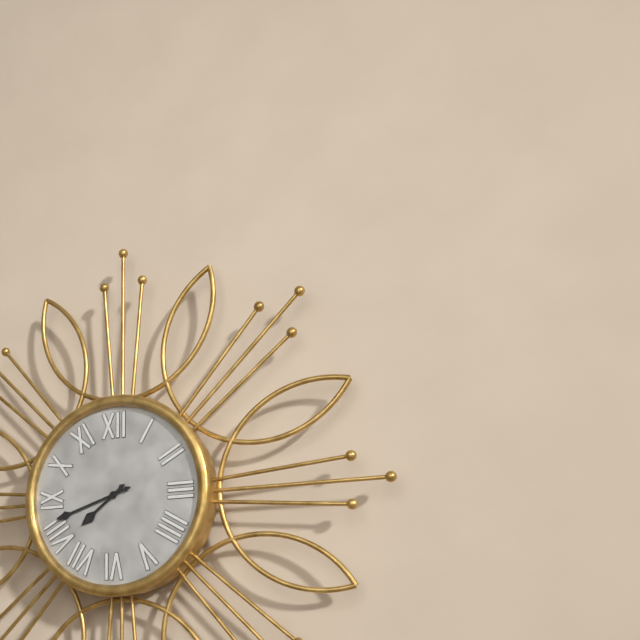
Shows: 7:42
